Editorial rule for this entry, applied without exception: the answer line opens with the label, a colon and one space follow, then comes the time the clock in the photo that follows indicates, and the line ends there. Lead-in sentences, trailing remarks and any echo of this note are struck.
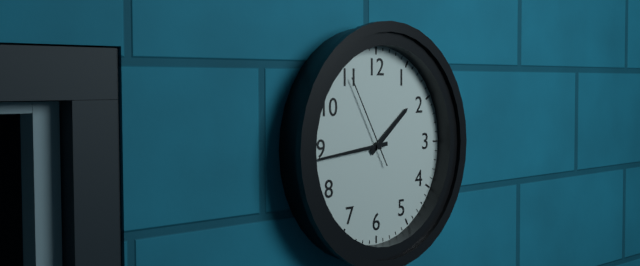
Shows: 1:44:55
